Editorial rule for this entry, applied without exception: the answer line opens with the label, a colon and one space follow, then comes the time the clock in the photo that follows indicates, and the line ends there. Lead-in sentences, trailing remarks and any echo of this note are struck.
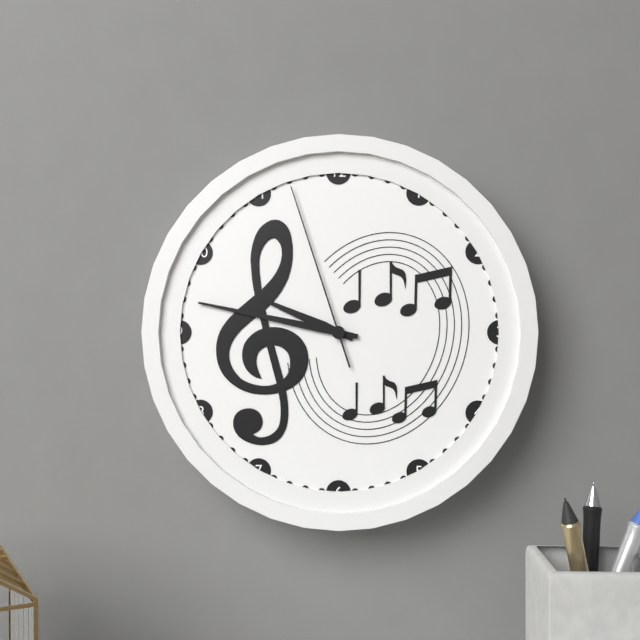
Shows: 9:47:57
